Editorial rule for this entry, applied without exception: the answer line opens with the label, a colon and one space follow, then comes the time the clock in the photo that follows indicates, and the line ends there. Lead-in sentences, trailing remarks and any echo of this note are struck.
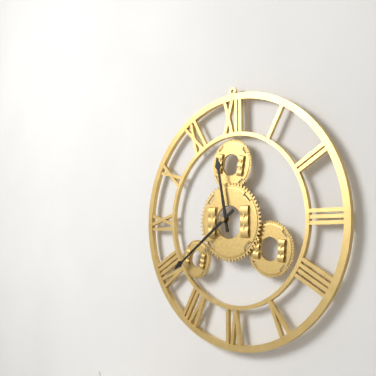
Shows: 11:39
